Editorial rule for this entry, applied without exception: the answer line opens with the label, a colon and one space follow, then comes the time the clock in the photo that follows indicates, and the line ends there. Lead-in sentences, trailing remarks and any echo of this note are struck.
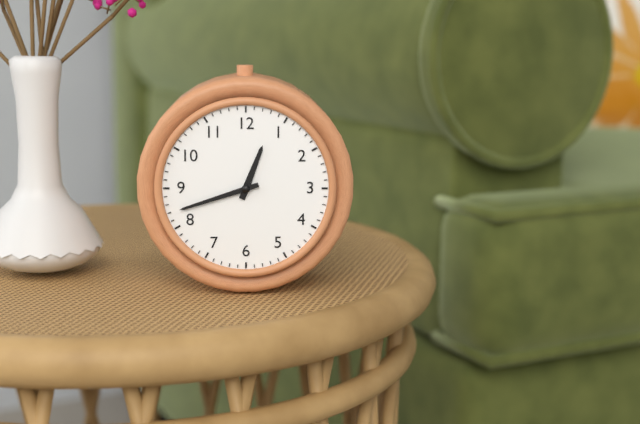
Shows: 12:42
